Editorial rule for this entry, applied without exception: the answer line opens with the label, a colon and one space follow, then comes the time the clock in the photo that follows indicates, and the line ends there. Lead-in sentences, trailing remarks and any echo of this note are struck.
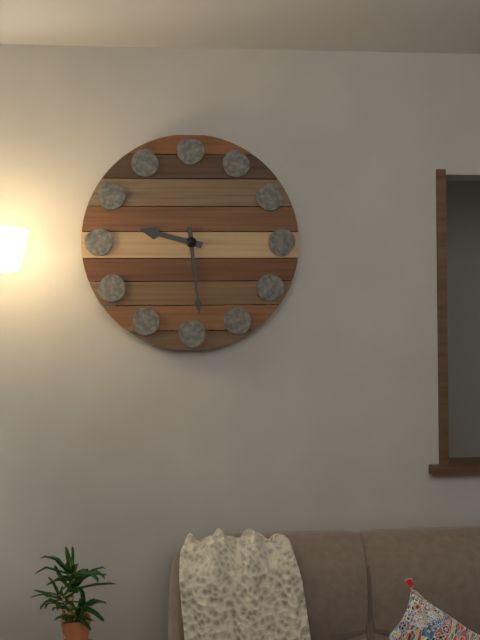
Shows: 9:29
